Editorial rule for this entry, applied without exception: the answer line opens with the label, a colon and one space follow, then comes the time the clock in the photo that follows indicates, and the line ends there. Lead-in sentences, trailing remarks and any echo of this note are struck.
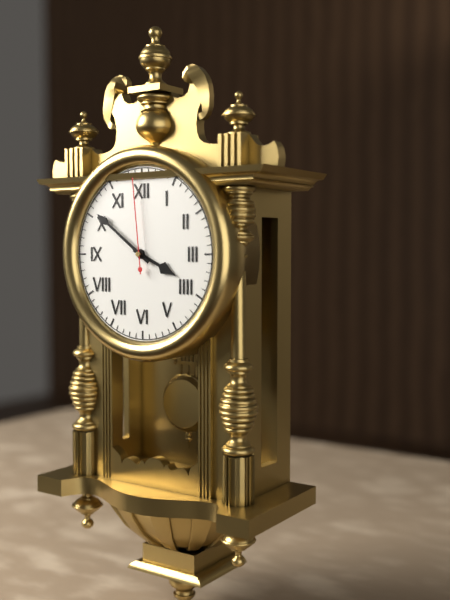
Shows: 3:51:59
